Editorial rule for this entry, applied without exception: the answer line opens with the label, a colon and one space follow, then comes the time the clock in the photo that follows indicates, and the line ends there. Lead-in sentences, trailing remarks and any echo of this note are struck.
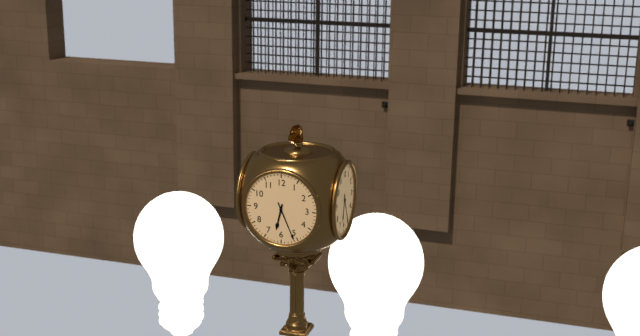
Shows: 6:26
